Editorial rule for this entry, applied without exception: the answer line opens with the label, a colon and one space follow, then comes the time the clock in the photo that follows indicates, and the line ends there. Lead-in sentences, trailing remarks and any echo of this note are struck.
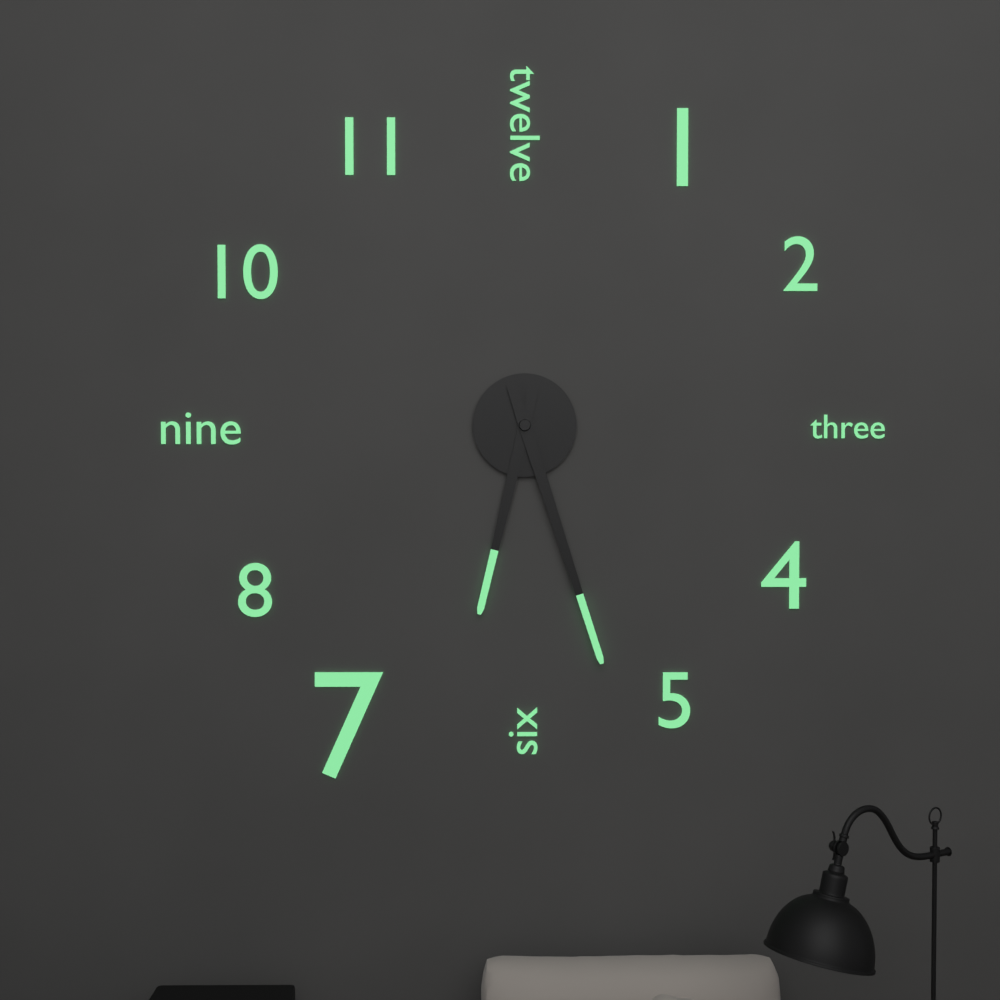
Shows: 6:27
